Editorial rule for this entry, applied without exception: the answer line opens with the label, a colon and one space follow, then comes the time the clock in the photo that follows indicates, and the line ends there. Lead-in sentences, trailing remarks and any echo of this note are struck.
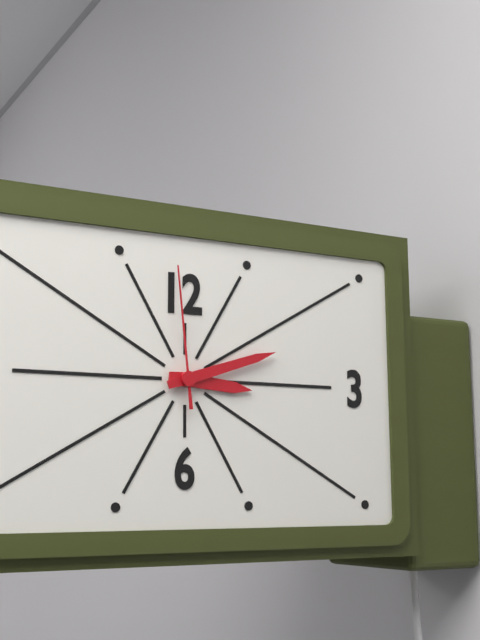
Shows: 3:12:59
